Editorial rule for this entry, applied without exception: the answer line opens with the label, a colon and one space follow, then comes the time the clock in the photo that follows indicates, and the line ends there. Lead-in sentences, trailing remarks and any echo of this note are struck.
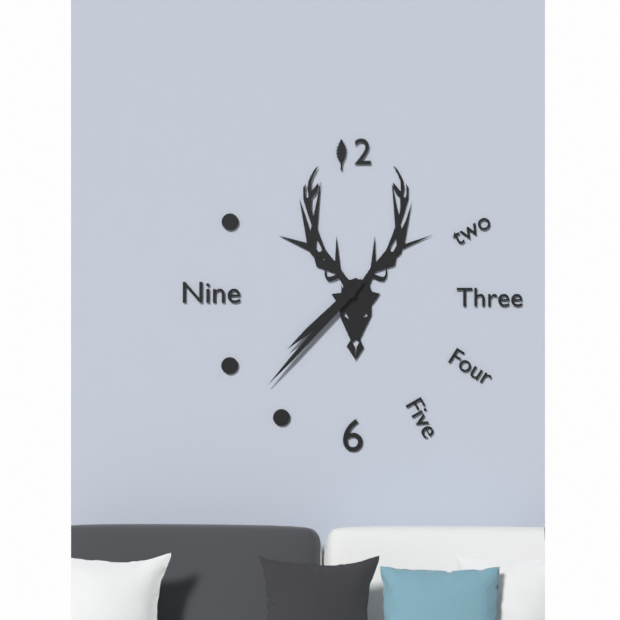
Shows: 7:37
